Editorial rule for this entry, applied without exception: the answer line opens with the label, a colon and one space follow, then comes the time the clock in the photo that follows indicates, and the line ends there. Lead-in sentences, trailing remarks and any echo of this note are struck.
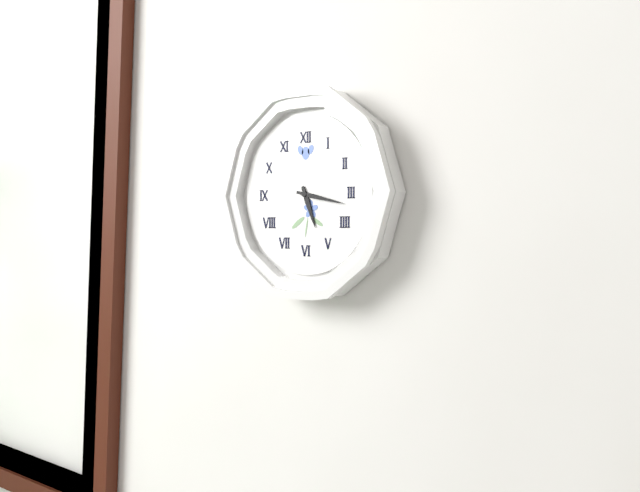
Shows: 5:17
